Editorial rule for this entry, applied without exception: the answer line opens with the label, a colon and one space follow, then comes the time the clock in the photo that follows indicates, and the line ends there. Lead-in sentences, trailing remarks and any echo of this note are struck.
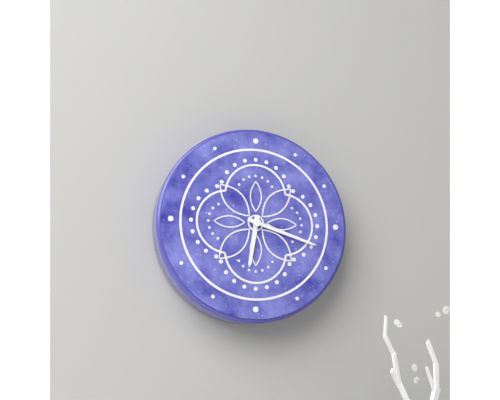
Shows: 6:18
